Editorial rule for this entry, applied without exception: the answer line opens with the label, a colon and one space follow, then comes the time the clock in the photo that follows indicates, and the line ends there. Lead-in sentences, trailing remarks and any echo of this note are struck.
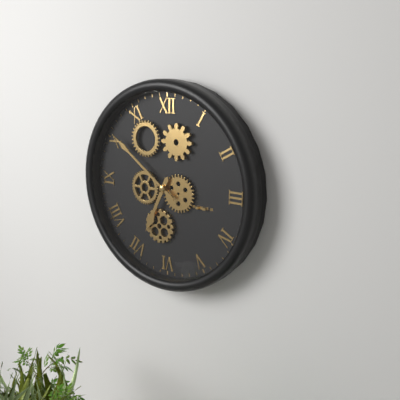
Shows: 6:51
